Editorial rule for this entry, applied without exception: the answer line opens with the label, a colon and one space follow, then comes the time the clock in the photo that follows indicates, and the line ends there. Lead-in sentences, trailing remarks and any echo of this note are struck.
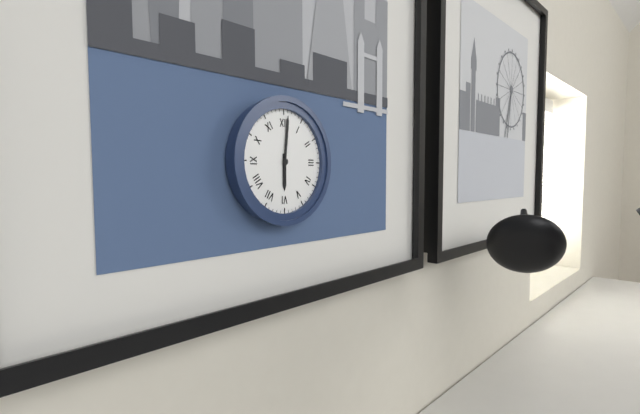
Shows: 6:01
